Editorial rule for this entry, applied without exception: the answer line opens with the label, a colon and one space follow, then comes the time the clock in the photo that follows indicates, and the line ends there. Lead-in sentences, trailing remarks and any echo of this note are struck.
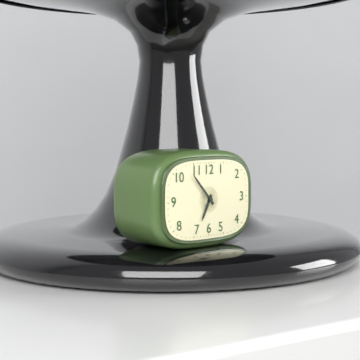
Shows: 6:53
